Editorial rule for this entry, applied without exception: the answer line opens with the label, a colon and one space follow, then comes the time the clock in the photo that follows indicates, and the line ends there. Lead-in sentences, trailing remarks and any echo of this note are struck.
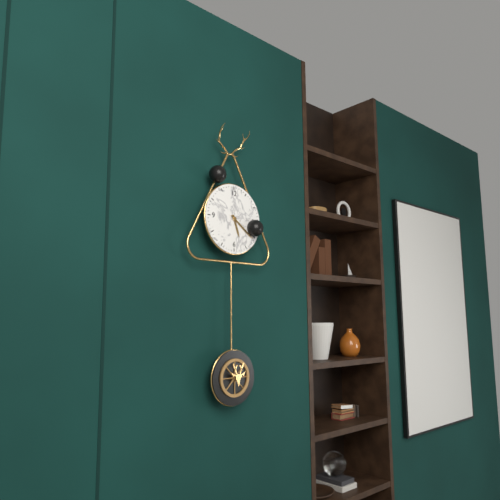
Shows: 5:21
